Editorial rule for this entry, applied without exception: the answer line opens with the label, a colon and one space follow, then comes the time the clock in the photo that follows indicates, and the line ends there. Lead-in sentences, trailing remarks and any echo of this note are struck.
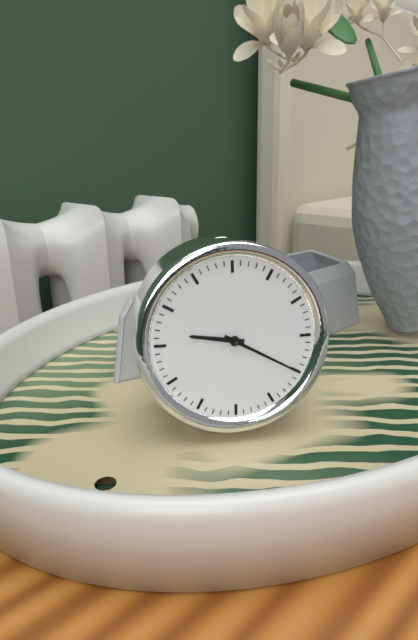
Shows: 9:20
